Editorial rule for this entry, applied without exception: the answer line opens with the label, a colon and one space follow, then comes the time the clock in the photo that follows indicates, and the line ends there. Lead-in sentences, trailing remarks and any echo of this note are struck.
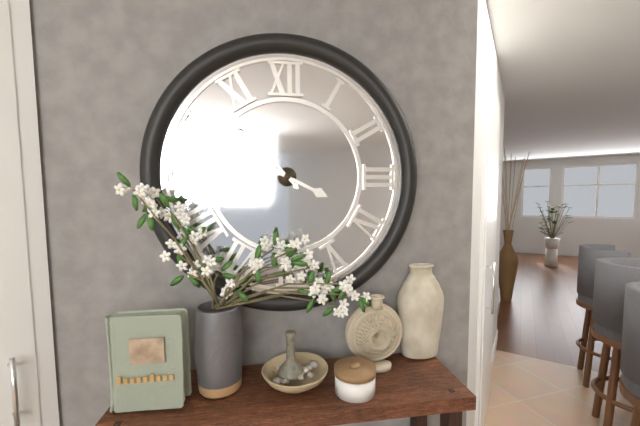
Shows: 3:53
